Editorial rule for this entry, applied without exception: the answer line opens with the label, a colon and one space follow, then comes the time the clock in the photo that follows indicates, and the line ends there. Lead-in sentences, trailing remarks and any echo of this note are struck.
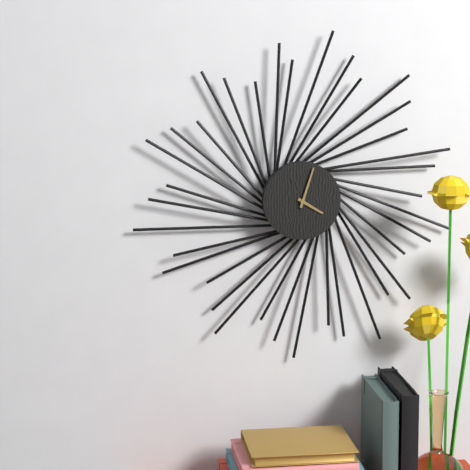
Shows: 4:03
